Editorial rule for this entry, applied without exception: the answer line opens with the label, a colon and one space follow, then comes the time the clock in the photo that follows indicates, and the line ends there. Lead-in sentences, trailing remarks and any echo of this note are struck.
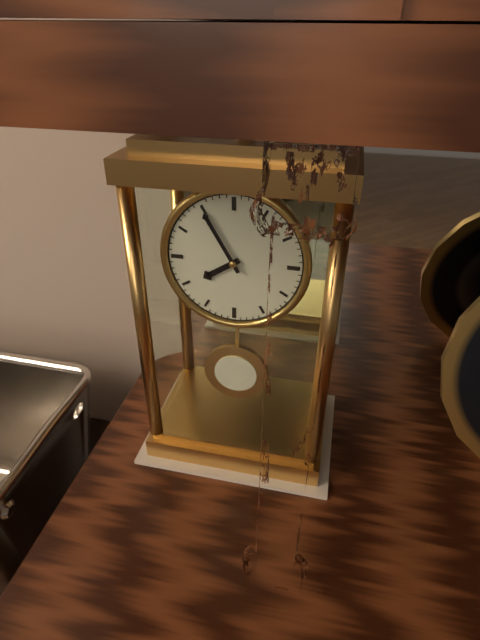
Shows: 7:55
